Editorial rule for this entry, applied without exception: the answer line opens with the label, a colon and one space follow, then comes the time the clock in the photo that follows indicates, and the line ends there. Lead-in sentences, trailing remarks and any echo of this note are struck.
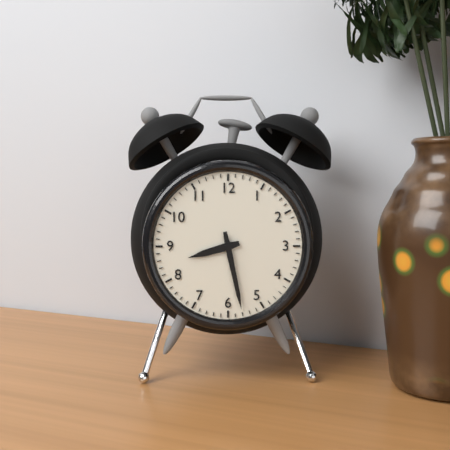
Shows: 8:28
